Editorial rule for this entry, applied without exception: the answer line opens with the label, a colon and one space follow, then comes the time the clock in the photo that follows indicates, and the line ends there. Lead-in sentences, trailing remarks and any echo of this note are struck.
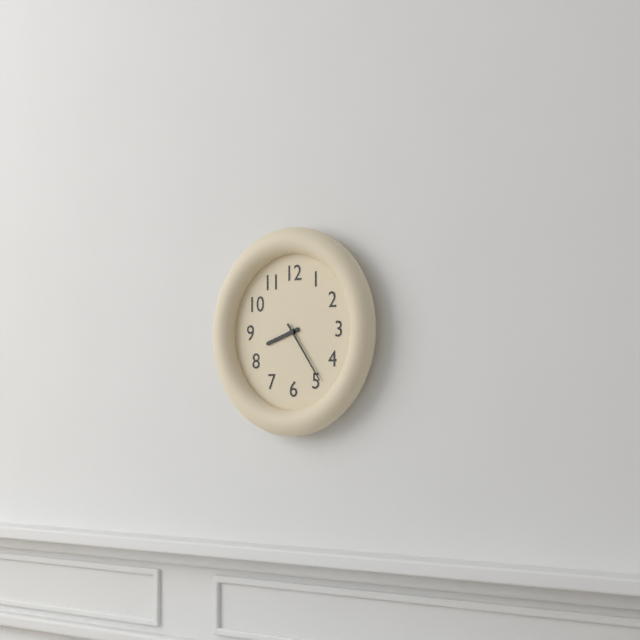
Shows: 8:24
